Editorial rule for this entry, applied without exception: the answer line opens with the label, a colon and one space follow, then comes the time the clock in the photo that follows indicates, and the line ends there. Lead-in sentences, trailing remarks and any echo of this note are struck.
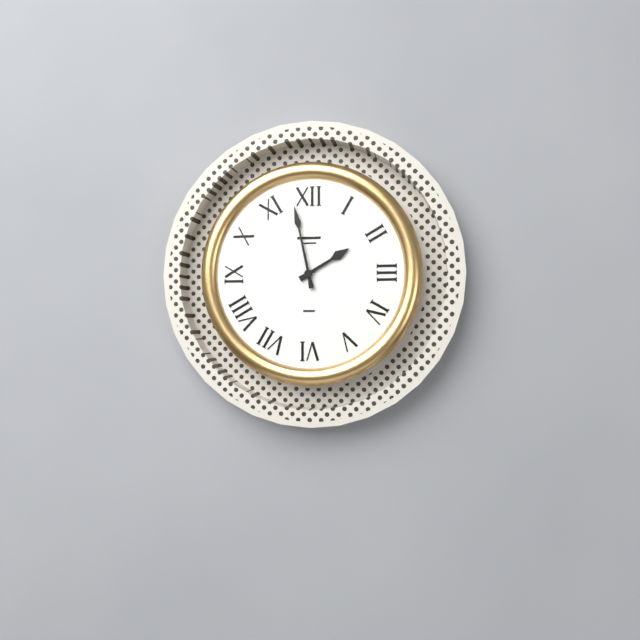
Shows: 1:58
